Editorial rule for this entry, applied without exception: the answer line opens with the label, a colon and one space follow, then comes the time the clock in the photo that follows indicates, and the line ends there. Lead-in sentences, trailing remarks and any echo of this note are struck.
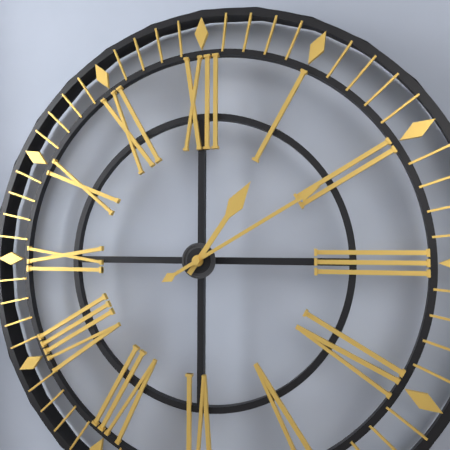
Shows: 1:10
